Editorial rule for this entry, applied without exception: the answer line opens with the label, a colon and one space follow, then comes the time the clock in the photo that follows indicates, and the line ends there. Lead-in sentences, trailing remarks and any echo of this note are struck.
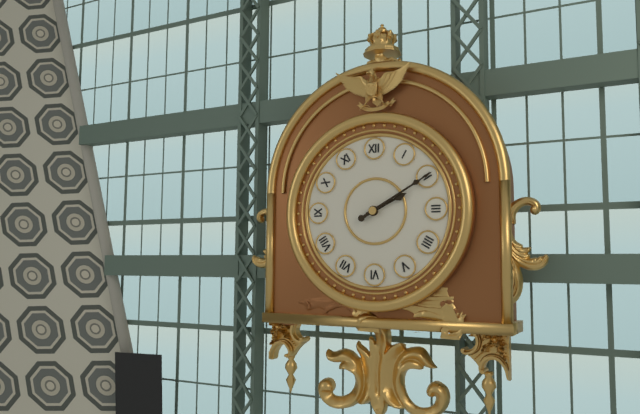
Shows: 2:10
